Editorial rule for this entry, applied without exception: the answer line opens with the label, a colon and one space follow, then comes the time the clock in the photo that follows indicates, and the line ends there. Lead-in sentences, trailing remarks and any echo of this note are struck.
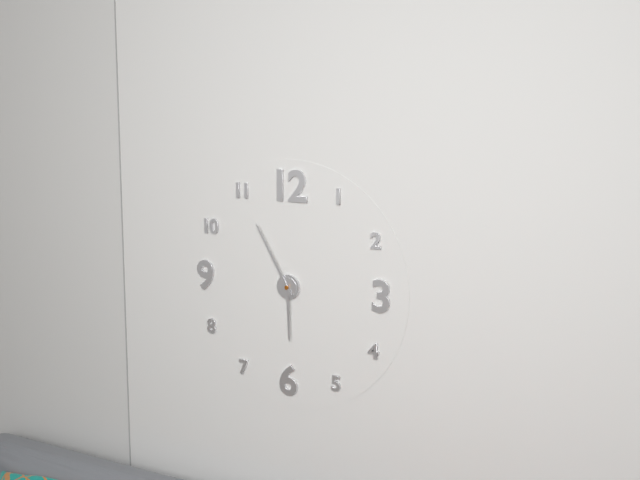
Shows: 5:55
